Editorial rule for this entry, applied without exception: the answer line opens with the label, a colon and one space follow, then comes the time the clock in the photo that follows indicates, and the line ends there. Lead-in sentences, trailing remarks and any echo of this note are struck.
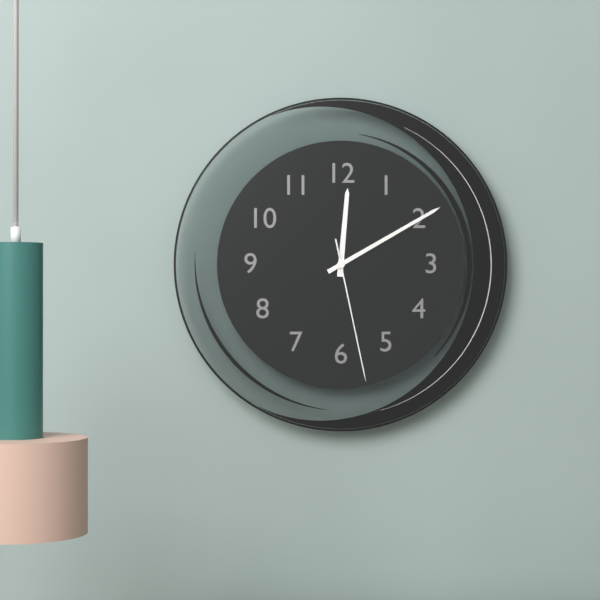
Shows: 12:10:28
